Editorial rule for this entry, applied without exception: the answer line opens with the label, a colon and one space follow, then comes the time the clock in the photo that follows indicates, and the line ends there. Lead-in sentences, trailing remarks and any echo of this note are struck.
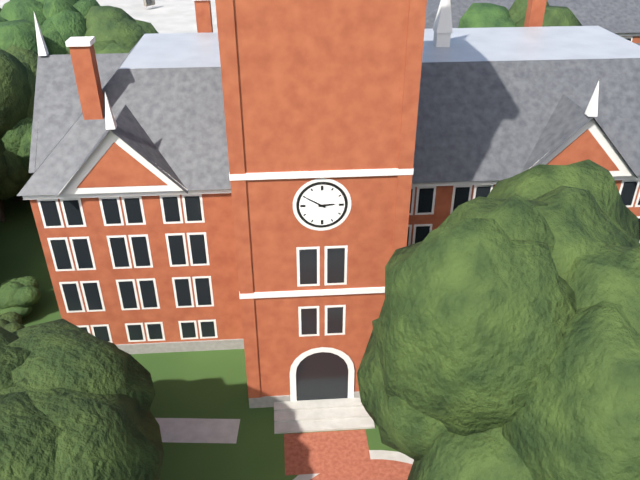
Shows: 2:50
